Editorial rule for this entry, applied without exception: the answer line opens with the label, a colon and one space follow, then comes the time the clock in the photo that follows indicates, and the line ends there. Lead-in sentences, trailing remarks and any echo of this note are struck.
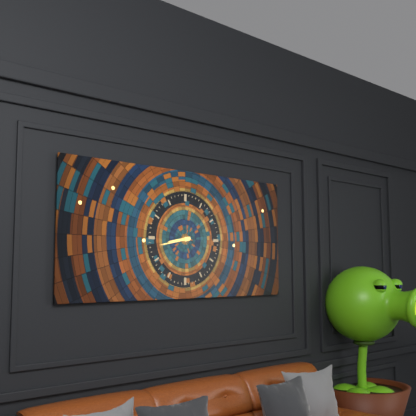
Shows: 8:43
